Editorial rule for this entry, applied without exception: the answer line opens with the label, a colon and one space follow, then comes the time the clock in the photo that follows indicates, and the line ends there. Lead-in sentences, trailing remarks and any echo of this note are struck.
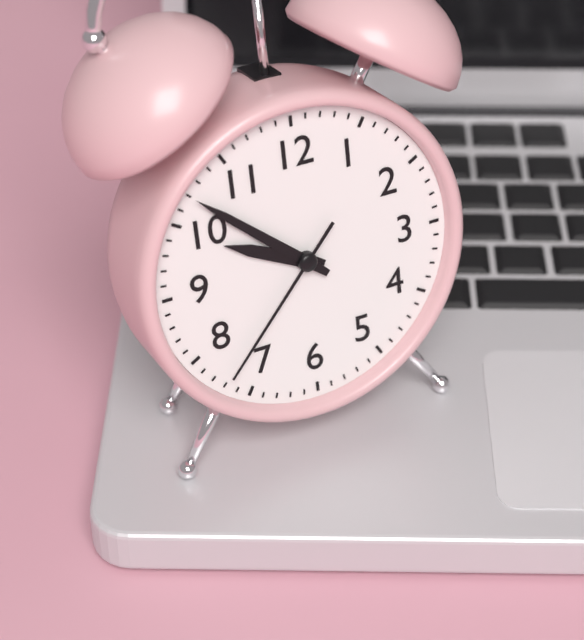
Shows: 9:52:37
